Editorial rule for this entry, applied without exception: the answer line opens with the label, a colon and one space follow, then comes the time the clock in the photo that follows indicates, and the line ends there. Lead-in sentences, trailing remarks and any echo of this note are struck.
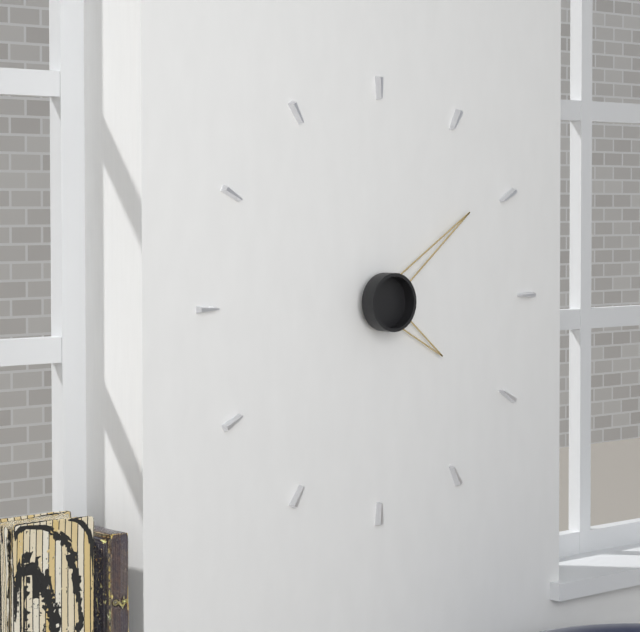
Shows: 4:09
